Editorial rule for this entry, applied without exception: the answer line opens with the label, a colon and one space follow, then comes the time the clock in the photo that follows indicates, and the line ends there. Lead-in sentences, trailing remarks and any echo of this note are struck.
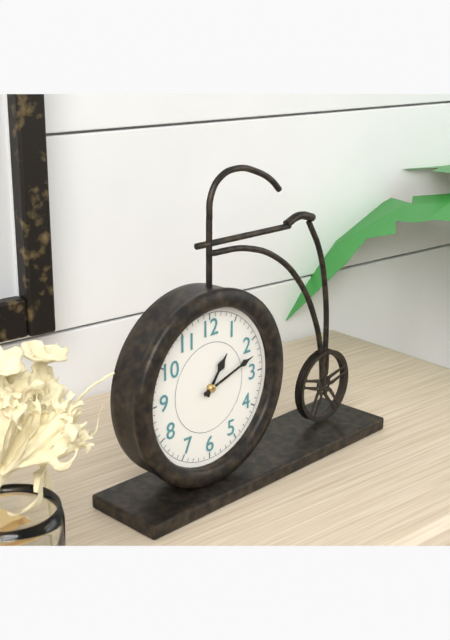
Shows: 1:12
